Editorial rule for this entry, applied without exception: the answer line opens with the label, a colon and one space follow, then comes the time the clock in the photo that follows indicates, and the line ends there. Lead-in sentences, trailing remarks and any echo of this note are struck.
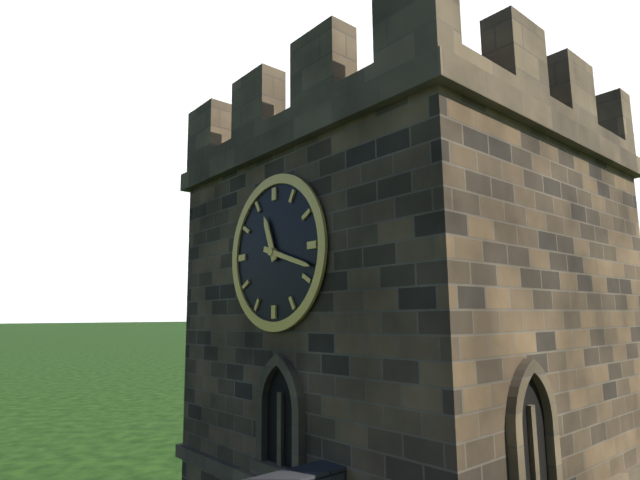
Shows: 11:18
